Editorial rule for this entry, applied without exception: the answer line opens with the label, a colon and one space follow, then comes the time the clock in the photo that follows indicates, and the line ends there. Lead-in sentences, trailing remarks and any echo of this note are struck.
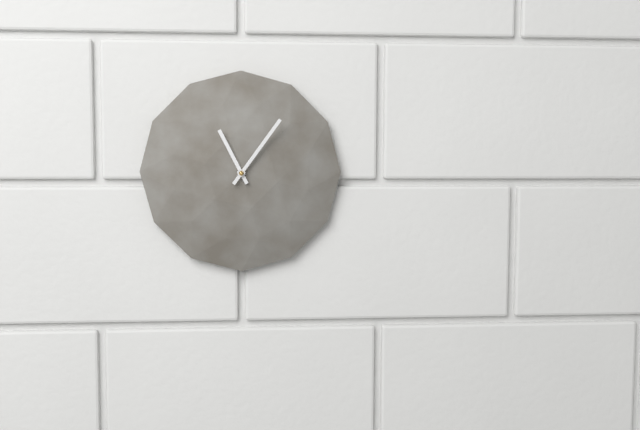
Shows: 11:06
